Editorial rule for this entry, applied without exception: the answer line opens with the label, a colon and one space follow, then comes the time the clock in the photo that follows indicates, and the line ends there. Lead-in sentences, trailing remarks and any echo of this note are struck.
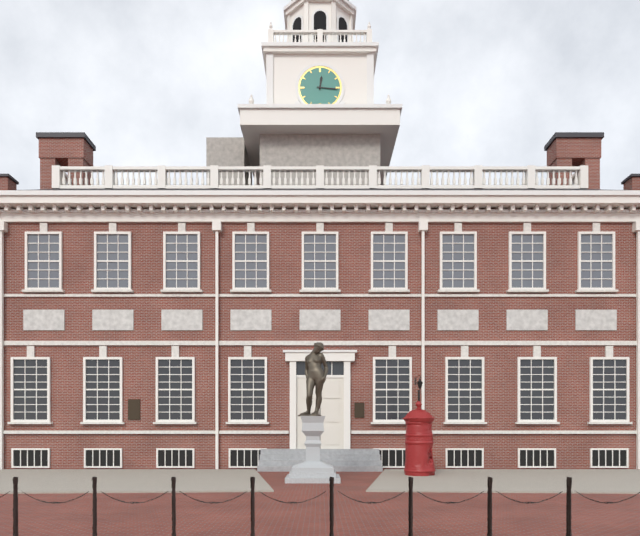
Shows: 12:16
